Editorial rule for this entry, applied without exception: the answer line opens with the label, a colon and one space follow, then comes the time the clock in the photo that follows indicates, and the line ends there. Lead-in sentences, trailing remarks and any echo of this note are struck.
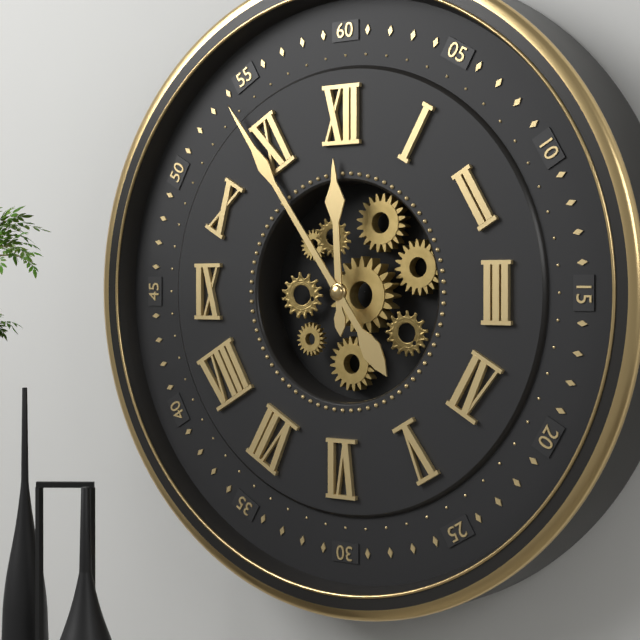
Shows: 11:54
